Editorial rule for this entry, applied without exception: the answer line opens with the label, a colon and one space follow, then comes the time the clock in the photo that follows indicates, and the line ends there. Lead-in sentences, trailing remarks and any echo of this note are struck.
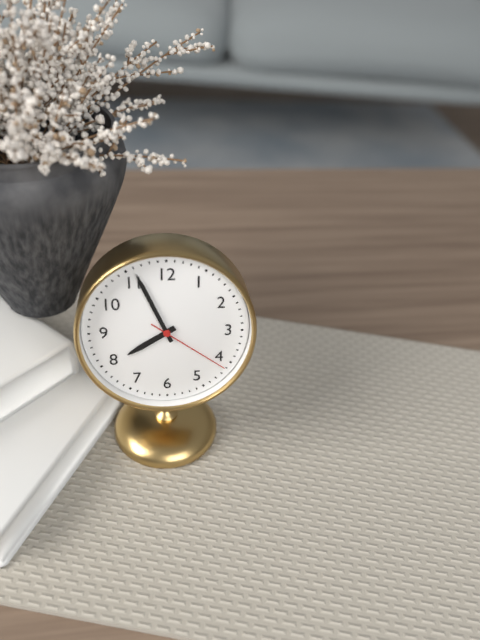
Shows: 7:56:21
